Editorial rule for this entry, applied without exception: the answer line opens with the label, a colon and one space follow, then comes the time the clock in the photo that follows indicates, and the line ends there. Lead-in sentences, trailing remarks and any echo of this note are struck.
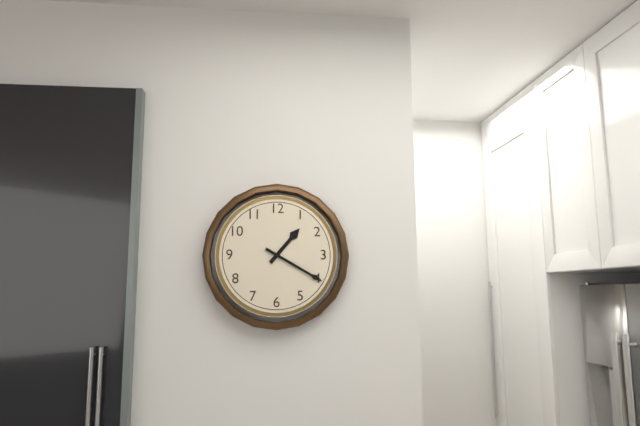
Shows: 1:20
